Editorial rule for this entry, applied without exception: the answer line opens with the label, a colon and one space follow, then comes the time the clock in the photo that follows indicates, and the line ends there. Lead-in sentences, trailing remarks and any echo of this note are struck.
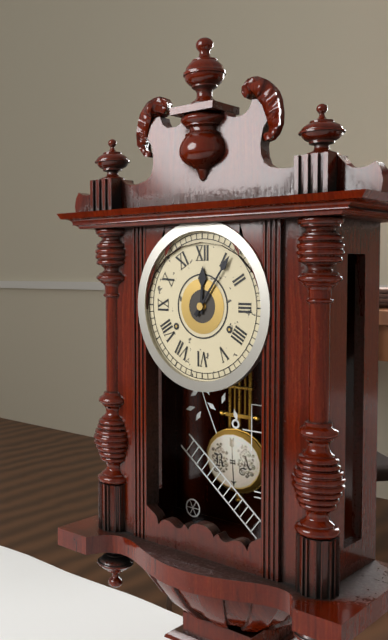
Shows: 12:06
